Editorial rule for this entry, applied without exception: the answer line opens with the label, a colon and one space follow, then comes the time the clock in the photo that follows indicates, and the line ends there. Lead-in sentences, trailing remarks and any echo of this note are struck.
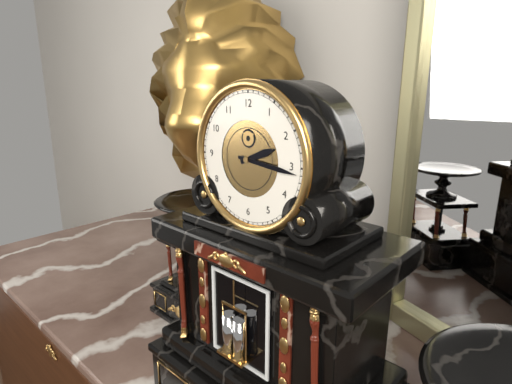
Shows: 2:16
